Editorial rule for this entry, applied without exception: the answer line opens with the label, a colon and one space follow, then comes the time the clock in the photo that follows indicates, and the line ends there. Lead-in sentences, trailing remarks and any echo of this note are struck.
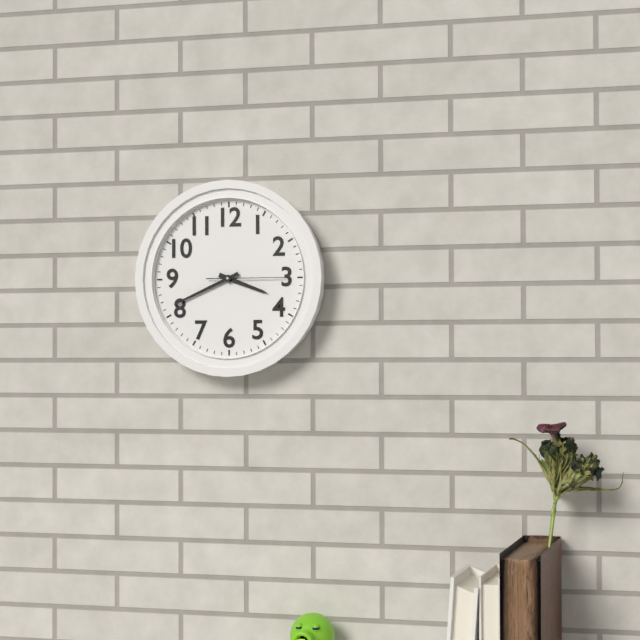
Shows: 3:41:15
